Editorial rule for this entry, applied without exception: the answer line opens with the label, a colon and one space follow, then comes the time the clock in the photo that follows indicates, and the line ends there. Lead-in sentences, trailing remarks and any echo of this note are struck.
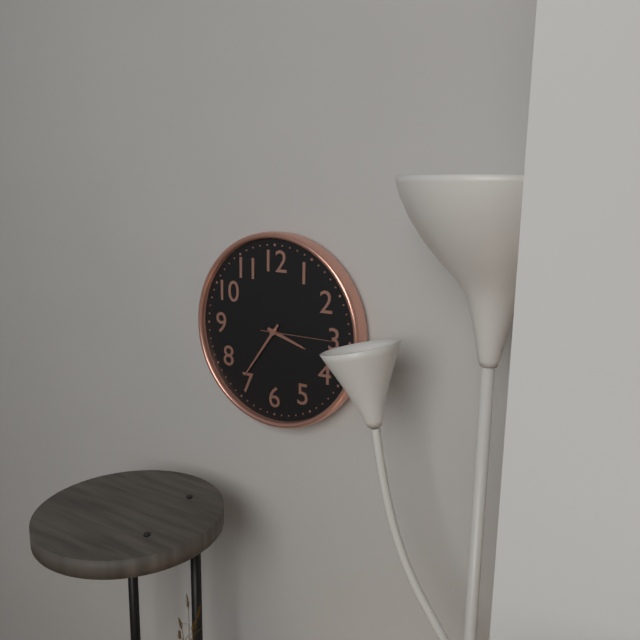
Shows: 3:36:15
